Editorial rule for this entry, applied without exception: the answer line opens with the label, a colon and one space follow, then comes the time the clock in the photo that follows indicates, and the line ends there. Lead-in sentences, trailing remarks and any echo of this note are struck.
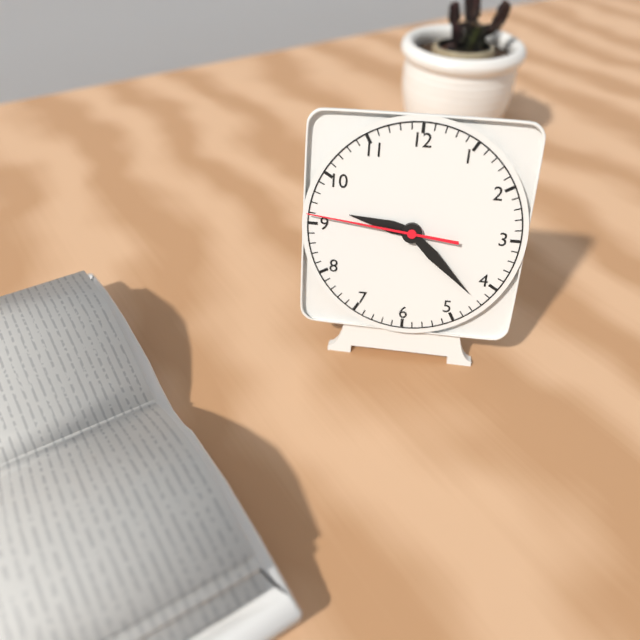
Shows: 9:22:46
